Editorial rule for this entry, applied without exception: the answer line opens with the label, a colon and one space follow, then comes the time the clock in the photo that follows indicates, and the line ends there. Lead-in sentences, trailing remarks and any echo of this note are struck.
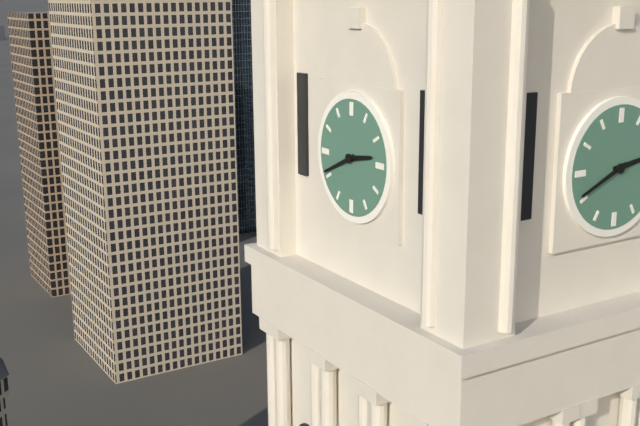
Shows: 2:41
